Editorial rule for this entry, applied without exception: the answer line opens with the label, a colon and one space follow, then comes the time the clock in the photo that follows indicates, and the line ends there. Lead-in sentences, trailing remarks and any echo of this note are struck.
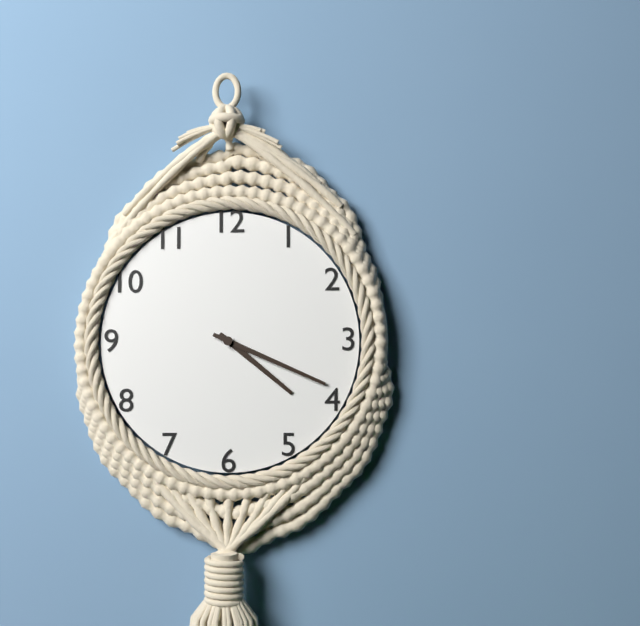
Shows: 4:19
